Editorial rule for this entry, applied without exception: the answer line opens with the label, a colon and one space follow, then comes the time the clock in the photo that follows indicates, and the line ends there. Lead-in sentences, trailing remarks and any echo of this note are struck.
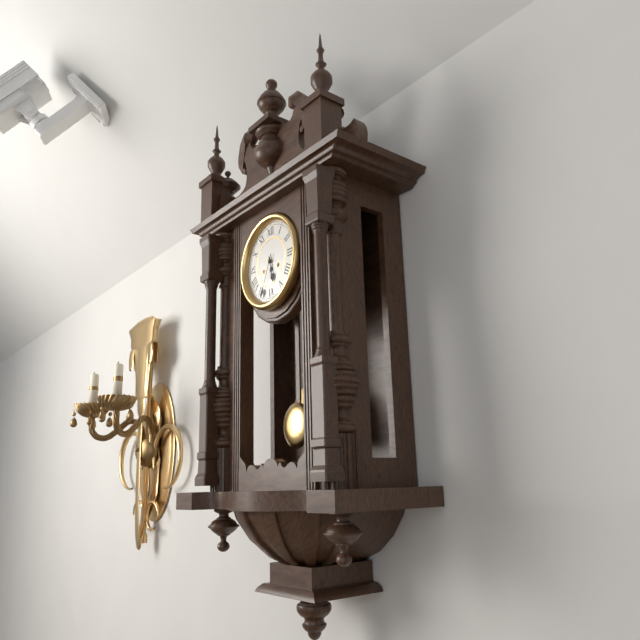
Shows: 5:34
